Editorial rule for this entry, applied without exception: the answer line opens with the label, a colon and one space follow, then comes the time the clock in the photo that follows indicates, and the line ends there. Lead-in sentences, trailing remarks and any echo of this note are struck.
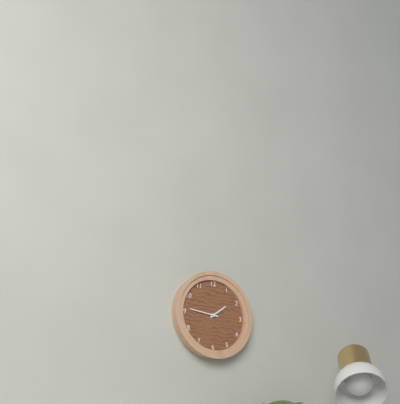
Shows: 1:46
